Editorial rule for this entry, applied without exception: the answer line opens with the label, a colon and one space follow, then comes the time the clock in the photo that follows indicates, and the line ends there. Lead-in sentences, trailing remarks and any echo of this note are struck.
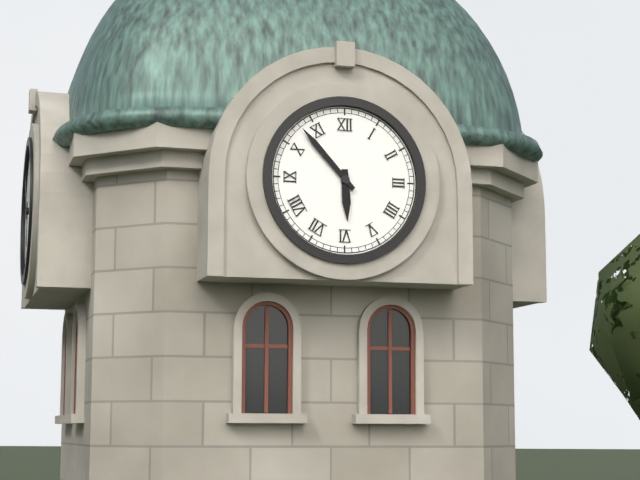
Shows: 5:53
